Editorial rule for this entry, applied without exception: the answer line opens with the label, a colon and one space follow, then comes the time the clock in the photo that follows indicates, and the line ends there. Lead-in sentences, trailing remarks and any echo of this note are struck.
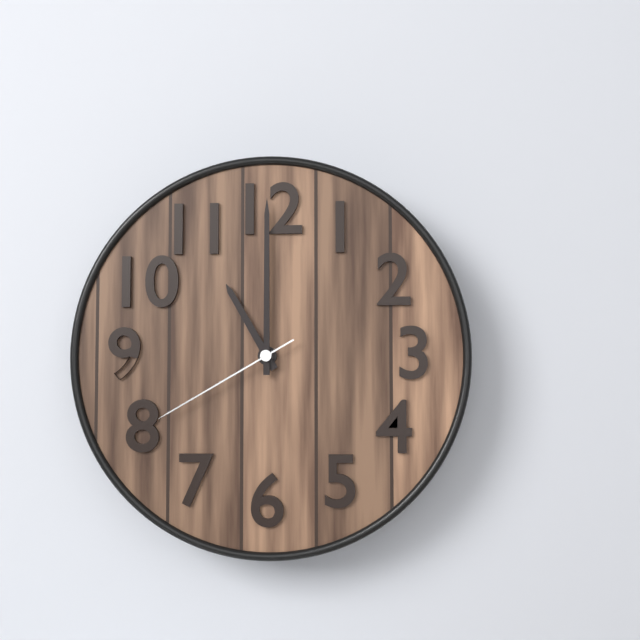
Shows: 11:00:40
